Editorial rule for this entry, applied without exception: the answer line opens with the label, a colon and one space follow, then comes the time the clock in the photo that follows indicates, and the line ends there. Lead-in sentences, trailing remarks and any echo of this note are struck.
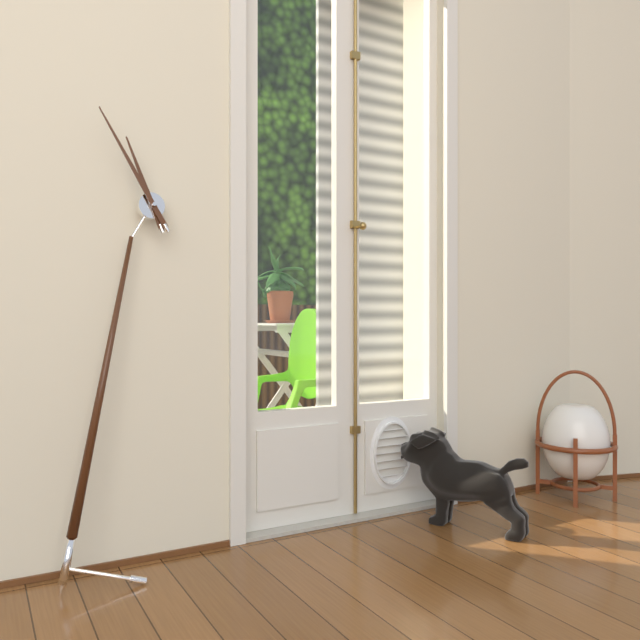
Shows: 10:53
